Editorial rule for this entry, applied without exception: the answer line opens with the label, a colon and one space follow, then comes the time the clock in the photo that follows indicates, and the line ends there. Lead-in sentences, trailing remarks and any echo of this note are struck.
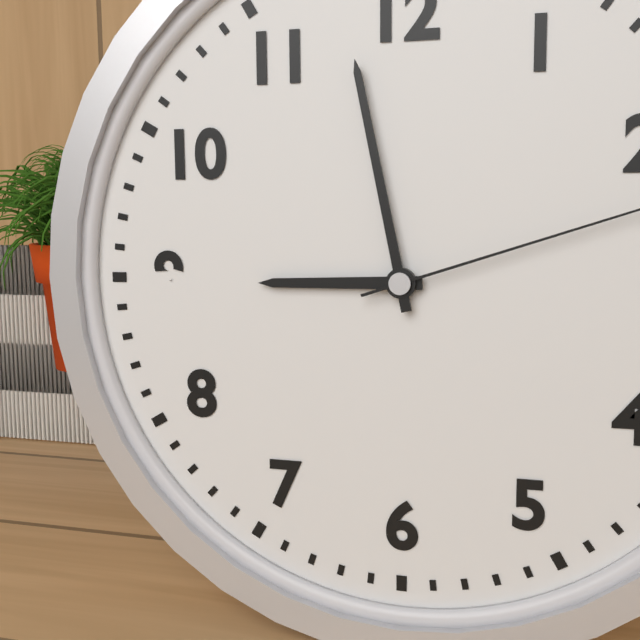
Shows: 8:58
